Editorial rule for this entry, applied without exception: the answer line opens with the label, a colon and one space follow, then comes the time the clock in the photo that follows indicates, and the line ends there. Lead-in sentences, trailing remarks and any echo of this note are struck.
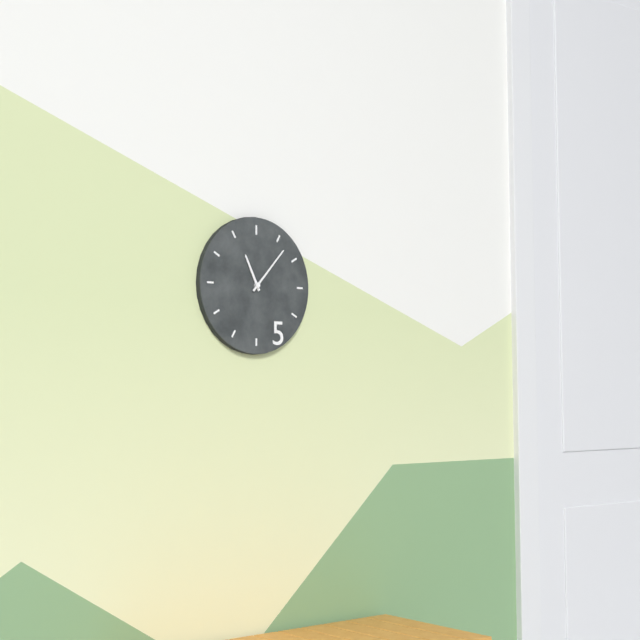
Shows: 11:07
